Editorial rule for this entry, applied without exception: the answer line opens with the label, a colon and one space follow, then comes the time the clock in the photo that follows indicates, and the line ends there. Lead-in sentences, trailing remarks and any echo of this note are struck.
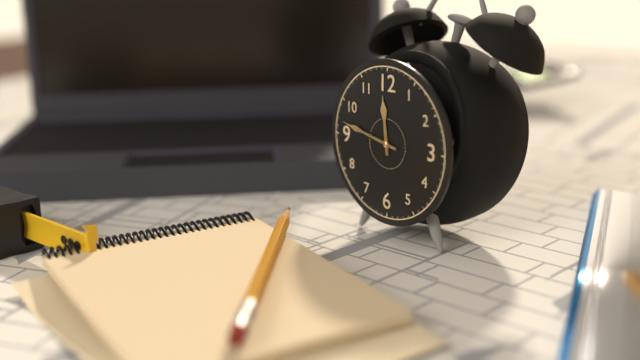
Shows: 11:47
